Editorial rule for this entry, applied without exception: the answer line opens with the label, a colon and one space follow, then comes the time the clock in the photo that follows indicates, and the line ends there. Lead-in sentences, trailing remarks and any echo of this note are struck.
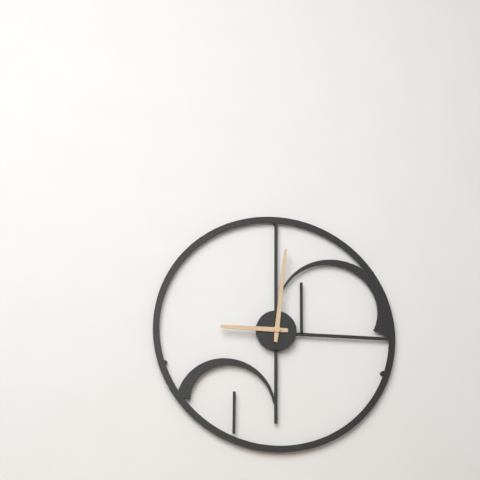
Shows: 9:01
